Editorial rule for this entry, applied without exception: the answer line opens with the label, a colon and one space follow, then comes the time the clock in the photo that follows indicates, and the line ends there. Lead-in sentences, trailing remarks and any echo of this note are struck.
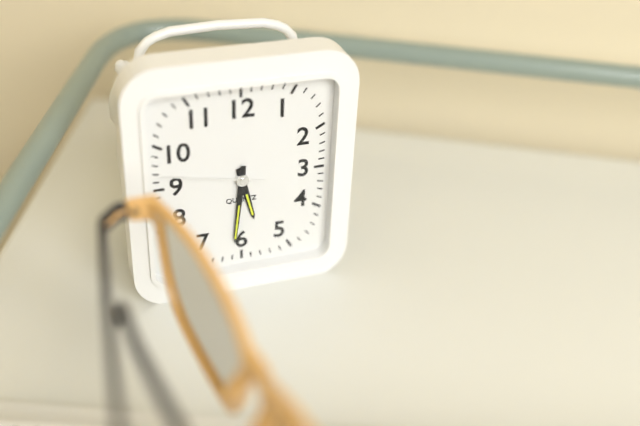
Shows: 5:31:47
